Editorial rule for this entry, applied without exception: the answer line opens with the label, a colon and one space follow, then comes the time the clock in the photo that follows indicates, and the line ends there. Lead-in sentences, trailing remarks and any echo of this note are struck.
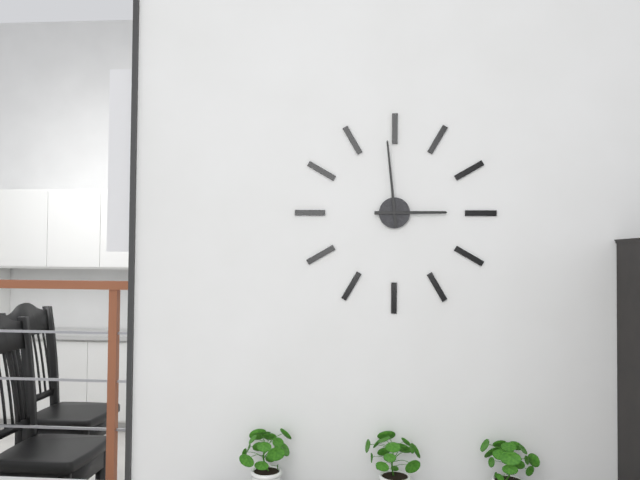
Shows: 2:59
